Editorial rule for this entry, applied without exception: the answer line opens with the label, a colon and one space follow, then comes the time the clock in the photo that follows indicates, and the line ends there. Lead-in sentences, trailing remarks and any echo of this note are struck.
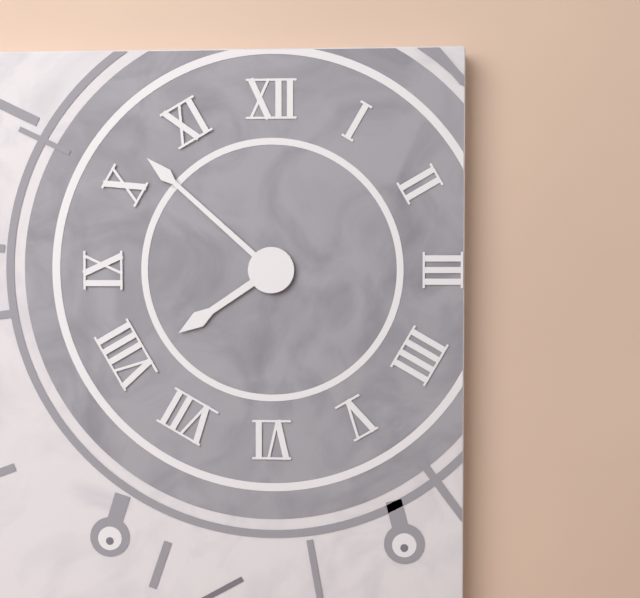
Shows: 7:52
